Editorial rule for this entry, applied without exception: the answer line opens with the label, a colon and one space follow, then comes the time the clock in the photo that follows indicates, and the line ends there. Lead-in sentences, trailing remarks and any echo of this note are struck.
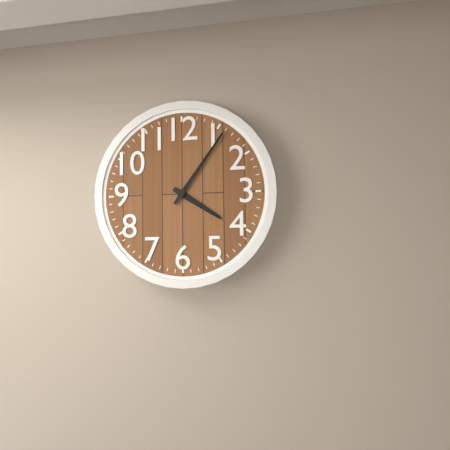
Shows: 4:06
